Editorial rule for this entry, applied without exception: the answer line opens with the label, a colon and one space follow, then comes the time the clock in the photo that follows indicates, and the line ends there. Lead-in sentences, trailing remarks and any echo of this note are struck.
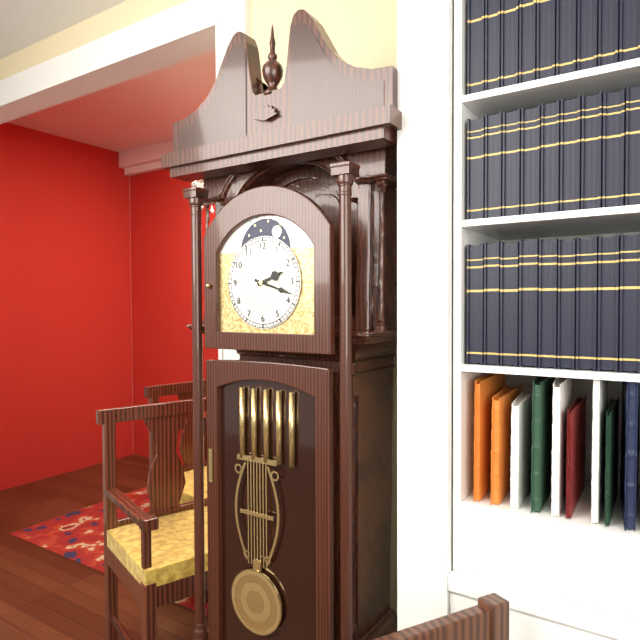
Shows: 2:18
